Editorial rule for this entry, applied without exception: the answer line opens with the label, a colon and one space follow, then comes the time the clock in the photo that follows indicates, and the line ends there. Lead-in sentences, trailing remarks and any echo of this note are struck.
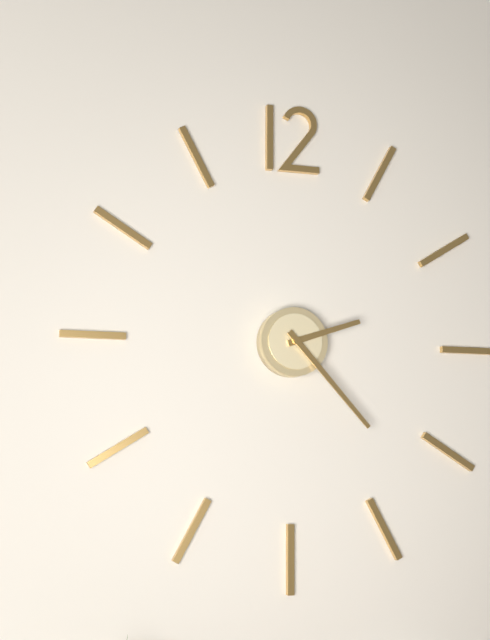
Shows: 2:23
